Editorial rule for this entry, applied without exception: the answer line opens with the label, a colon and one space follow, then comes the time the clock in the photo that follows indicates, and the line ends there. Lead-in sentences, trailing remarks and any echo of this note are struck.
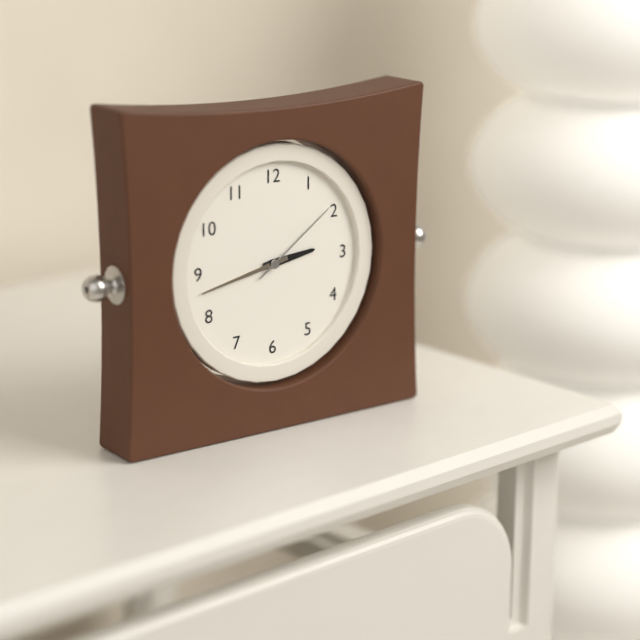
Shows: 2:43:09
